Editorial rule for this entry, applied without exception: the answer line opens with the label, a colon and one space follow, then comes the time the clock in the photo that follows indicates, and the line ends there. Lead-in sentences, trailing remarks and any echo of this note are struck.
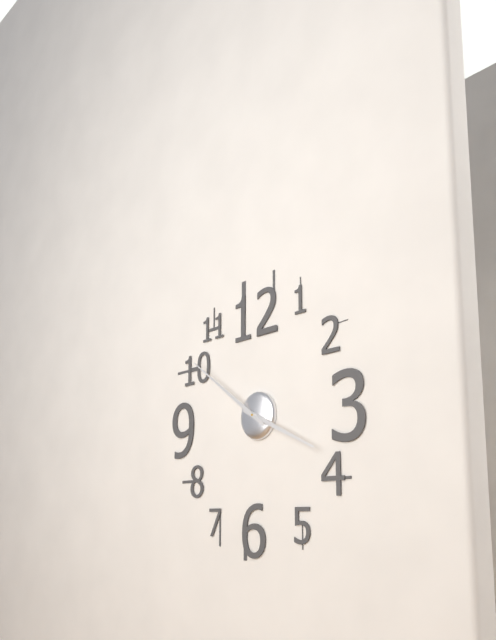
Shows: 3:51
